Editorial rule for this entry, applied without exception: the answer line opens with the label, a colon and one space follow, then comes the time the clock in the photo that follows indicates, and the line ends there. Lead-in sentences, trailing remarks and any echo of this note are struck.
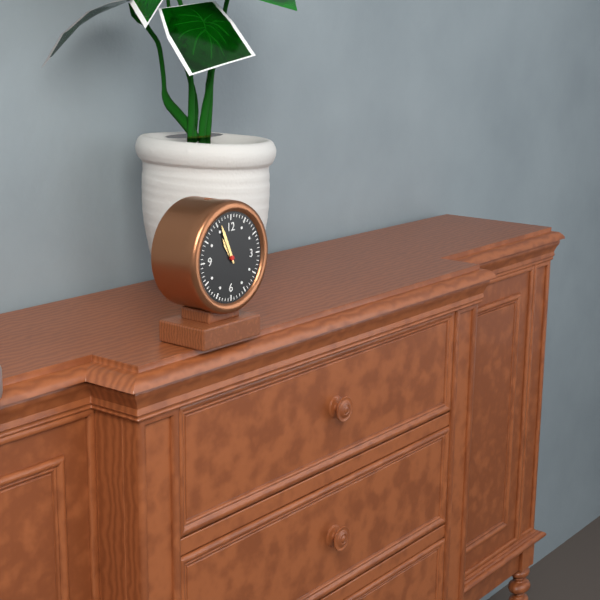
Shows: 10:56
